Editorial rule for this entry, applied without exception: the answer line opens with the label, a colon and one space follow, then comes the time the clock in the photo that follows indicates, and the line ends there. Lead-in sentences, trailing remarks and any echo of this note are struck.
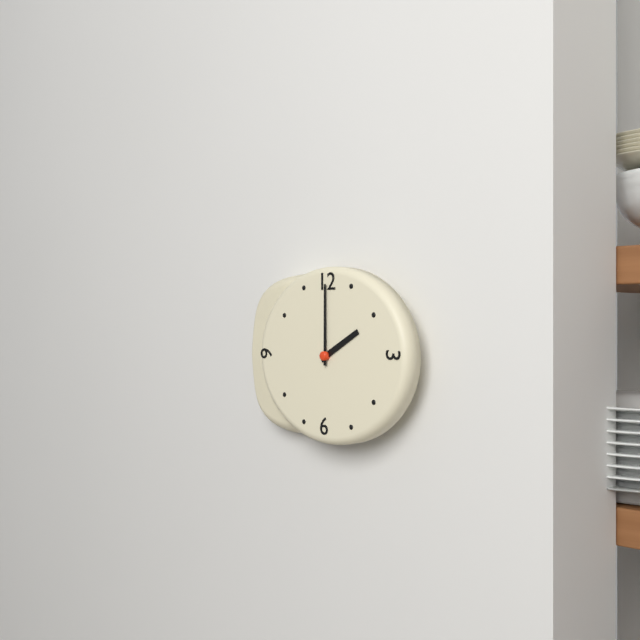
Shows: 2:00
